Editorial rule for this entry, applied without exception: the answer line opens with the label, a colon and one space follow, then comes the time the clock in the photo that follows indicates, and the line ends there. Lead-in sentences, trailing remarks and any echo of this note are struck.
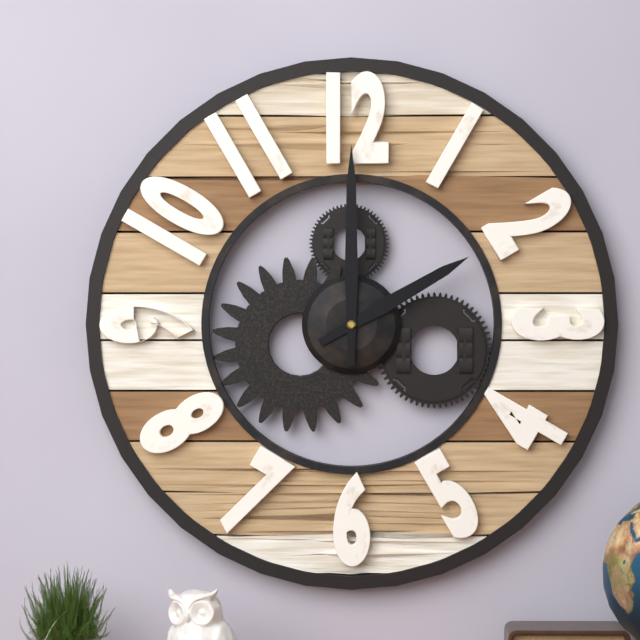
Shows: 2:00
